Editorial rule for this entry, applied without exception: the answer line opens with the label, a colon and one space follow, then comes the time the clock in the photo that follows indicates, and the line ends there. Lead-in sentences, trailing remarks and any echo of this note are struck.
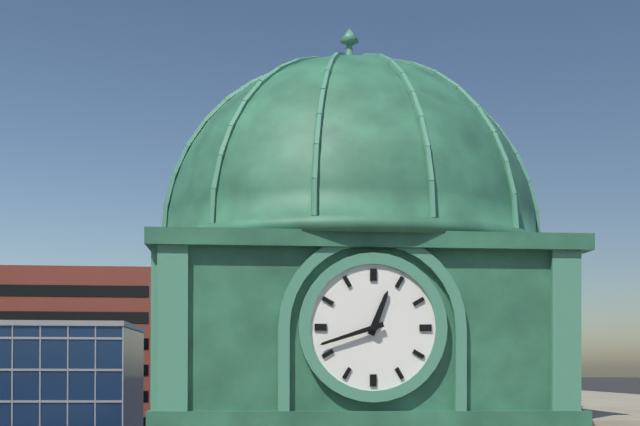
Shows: 12:42
